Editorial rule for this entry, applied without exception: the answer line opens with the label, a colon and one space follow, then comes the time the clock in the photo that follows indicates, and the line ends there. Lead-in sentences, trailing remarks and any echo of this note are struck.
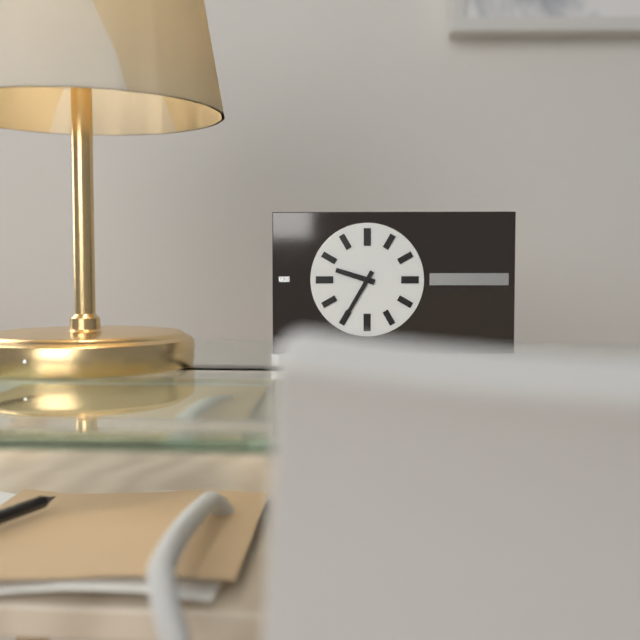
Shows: 9:35
